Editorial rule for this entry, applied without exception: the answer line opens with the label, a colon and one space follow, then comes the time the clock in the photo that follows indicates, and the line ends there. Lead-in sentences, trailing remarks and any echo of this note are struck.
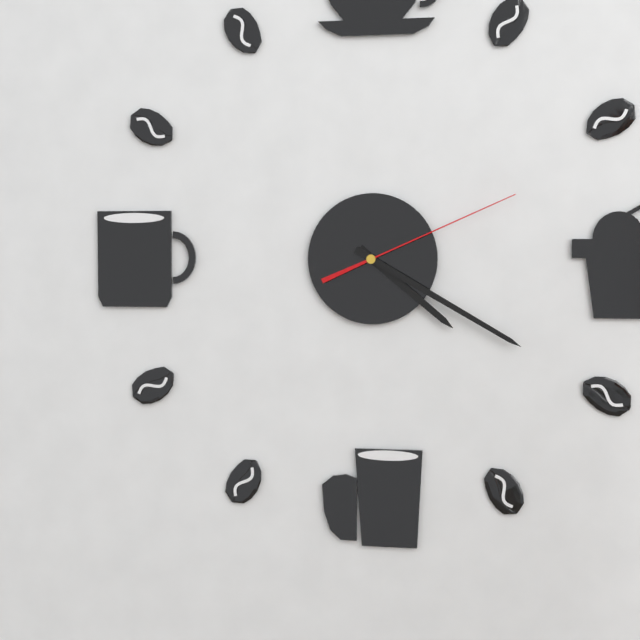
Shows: 4:20:11
